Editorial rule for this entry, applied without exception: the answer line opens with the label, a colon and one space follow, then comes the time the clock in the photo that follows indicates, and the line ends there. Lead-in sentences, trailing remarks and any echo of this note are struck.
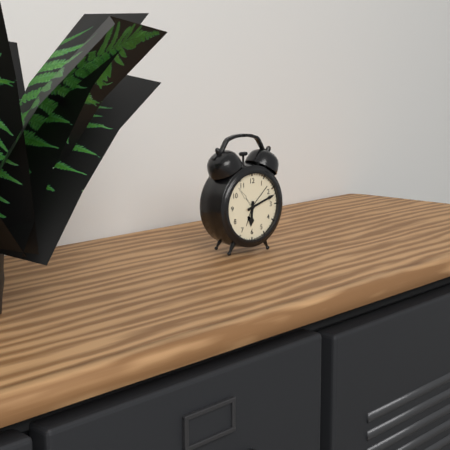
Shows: 6:12
